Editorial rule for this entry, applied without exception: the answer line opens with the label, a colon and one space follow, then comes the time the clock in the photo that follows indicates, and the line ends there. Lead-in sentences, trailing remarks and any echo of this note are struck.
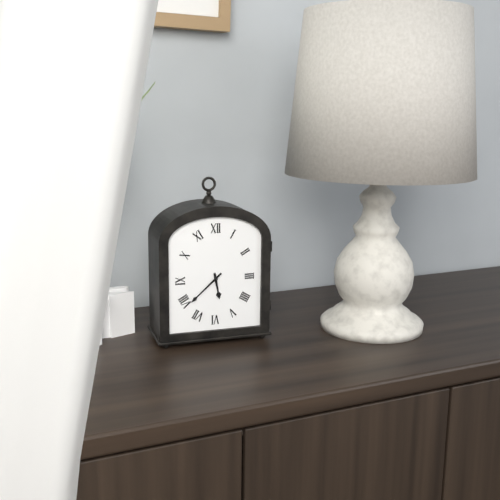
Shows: 5:38
